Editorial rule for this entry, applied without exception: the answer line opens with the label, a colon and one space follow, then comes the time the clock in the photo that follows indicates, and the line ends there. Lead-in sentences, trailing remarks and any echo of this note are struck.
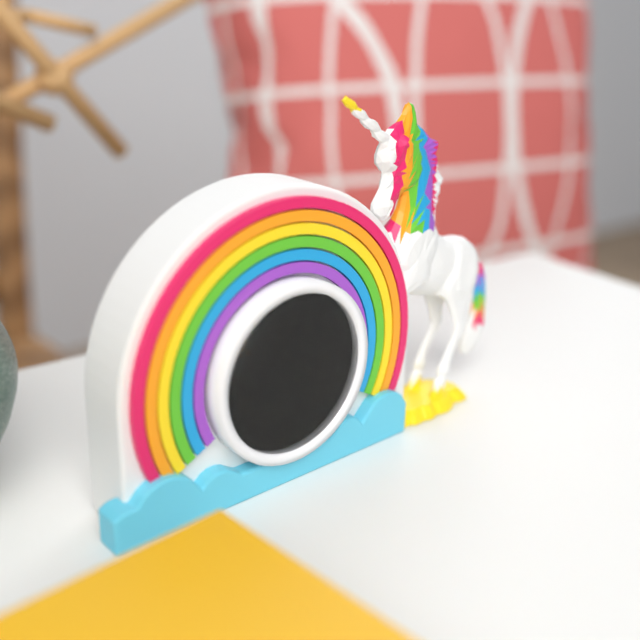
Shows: 12:17
